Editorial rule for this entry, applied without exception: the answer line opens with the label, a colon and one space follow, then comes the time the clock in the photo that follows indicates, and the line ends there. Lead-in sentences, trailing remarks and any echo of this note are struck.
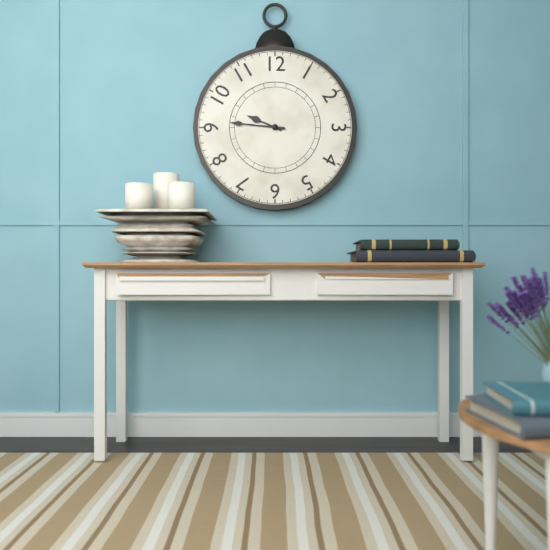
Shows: 9:46
